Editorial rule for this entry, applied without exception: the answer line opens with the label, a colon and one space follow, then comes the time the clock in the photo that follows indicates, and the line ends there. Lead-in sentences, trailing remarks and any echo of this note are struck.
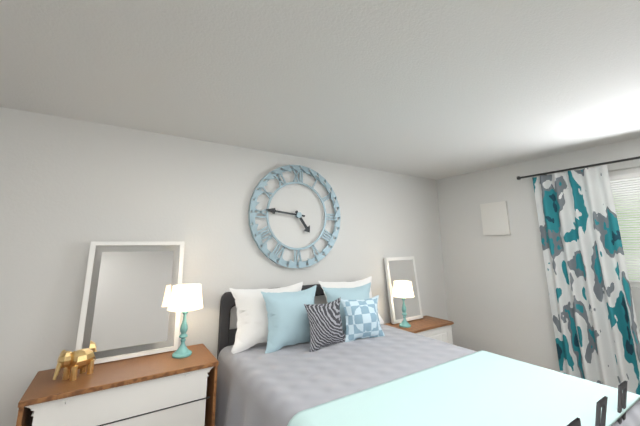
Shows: 4:46
